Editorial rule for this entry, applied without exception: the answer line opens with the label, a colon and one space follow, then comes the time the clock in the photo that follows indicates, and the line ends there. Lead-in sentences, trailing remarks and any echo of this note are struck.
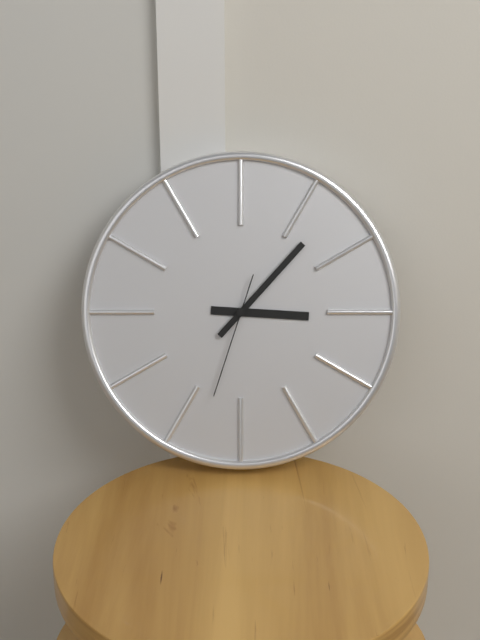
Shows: 3:07:33
